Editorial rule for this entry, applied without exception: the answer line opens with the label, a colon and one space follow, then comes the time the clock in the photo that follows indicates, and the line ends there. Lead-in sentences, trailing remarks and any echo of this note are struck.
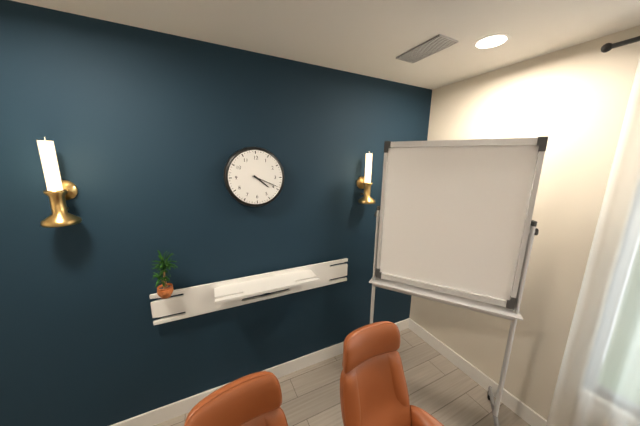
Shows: 4:19
